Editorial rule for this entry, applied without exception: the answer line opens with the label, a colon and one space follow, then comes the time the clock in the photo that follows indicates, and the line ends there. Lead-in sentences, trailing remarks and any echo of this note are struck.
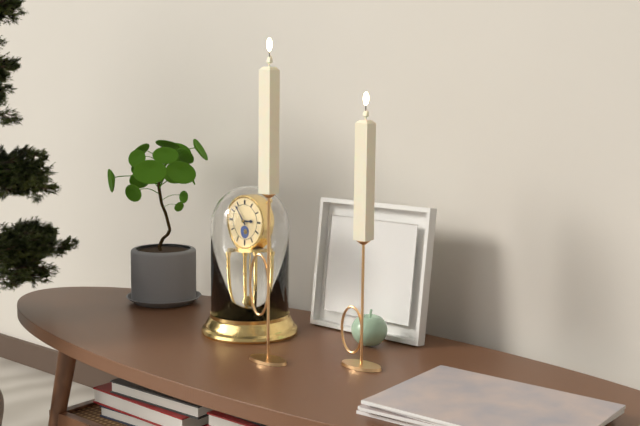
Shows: 2:54
